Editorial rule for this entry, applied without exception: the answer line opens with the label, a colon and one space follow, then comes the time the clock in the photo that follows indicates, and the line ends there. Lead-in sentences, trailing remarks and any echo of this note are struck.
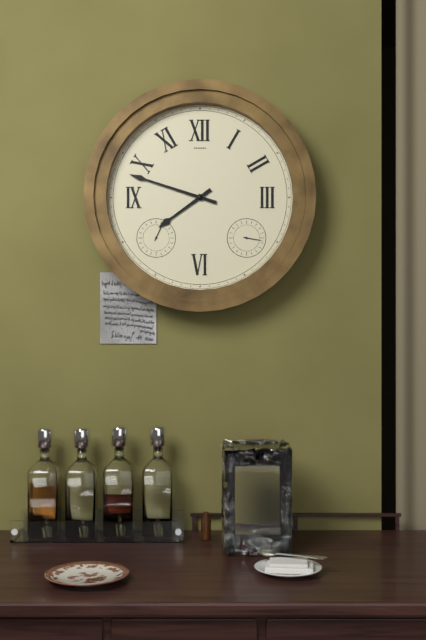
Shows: 7:48
